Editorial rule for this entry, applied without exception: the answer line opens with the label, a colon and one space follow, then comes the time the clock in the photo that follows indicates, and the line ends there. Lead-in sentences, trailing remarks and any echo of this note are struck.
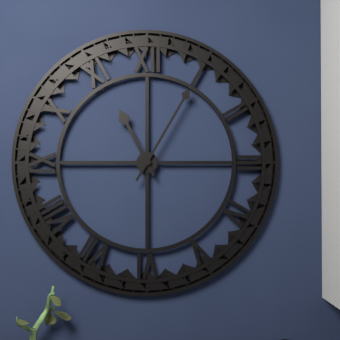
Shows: 11:05
